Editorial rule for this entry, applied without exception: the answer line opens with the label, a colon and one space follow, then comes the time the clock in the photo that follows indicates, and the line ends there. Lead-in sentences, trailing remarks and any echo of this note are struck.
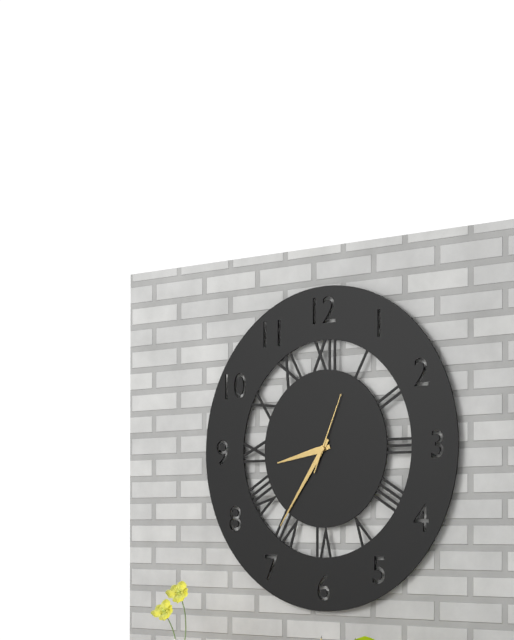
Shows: 8:36:04
